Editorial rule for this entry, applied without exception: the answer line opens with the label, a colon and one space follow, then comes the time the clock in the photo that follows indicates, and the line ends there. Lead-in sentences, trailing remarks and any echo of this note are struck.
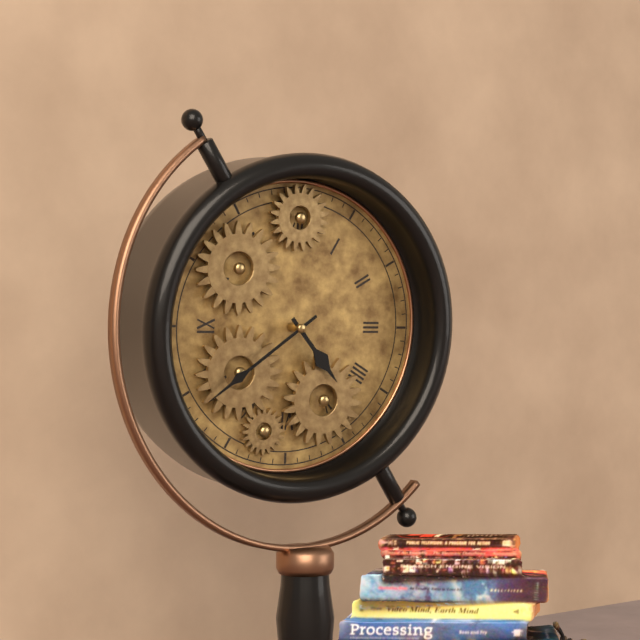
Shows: 4:39
